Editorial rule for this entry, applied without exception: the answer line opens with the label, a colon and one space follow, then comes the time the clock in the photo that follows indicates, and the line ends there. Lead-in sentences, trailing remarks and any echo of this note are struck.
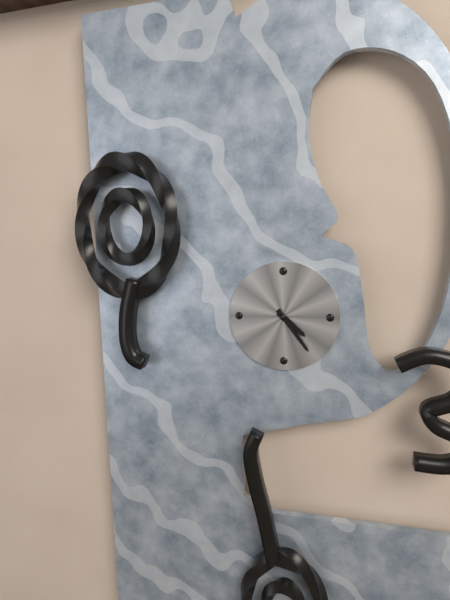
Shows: 4:24
